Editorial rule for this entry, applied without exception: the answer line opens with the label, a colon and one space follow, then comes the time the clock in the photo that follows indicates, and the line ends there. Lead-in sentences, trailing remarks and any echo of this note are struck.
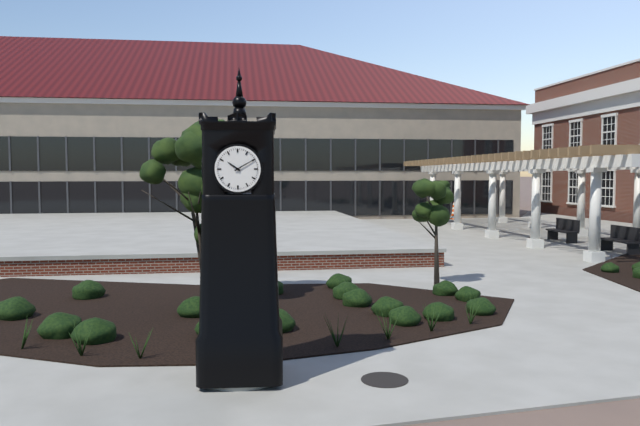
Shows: 10:10
